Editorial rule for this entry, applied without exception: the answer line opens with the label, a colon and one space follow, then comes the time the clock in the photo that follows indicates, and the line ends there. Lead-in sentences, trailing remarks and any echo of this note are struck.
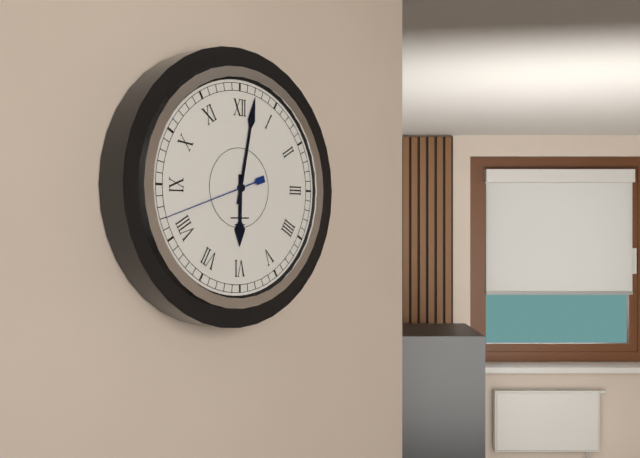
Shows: 6:02:42
